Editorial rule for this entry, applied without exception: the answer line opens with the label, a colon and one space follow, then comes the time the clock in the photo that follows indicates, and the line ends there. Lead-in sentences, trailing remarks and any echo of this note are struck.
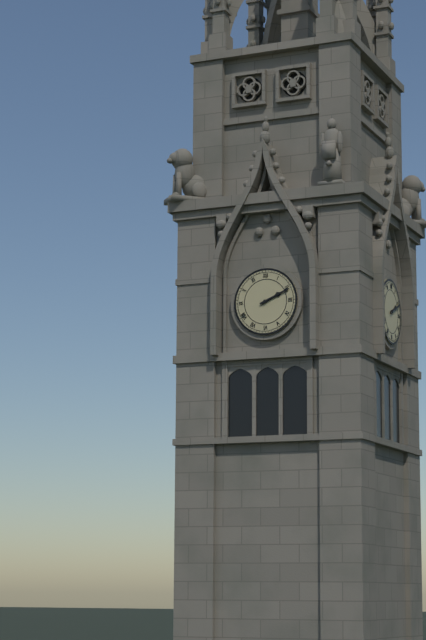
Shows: 2:11
